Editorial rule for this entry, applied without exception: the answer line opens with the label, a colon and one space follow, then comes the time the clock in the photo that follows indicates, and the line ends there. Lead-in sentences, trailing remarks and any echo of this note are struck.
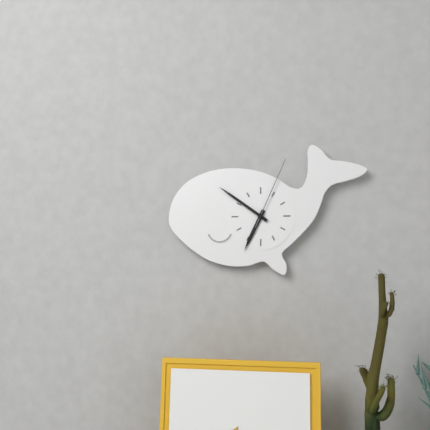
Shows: 6:51:04
